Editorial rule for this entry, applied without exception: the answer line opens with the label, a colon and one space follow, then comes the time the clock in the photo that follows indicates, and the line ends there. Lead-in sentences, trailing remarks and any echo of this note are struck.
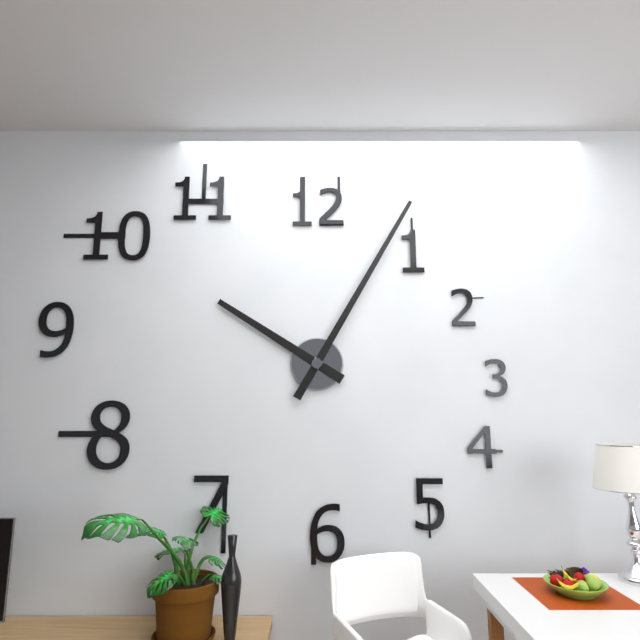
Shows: 10:05
